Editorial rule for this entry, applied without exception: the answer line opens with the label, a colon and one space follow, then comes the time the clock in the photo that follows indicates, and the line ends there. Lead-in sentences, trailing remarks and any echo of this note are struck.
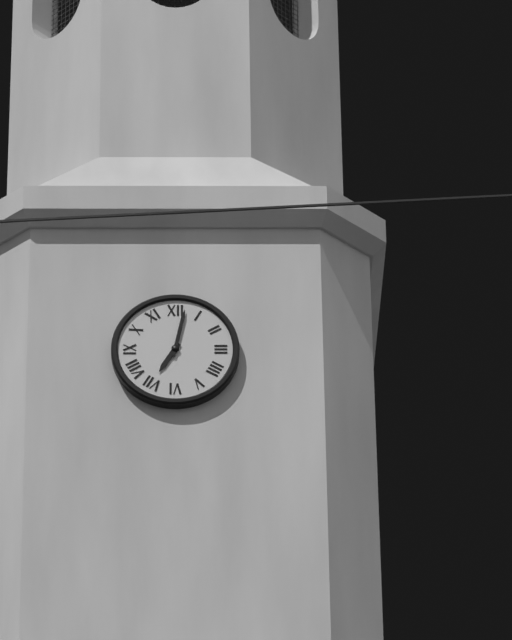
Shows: 7:02
